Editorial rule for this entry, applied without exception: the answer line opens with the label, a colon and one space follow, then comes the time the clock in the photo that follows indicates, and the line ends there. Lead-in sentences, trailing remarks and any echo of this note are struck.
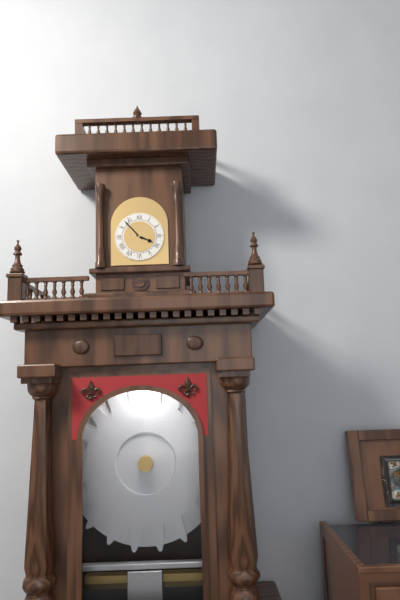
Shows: 3:53
